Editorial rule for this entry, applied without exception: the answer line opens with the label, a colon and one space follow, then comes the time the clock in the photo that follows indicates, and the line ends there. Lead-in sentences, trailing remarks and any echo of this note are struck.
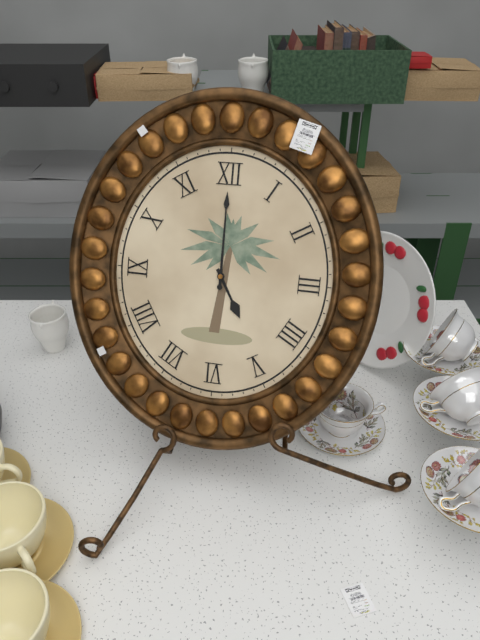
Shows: 5:00
